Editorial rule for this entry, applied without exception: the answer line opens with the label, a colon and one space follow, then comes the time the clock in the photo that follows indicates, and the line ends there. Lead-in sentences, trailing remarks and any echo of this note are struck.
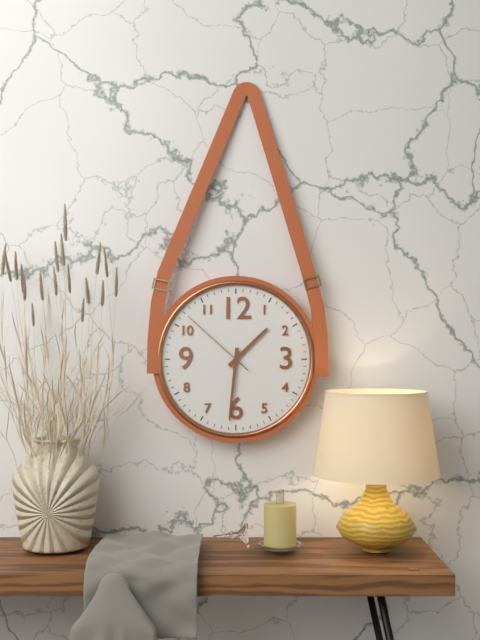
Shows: 1:31:52
